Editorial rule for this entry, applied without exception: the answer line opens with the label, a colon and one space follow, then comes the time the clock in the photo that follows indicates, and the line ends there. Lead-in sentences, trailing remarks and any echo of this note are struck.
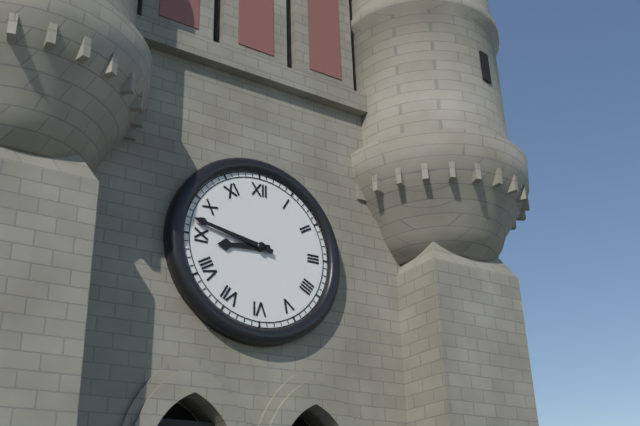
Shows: 8:47
